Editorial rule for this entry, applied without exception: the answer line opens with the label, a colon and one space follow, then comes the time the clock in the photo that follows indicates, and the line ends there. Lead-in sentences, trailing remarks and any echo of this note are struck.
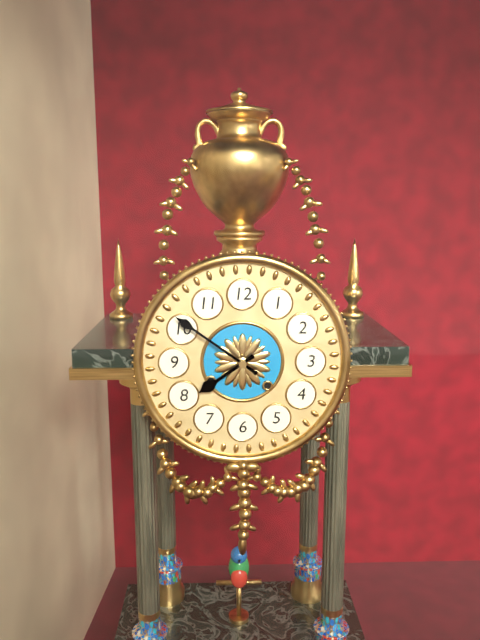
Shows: 7:51
